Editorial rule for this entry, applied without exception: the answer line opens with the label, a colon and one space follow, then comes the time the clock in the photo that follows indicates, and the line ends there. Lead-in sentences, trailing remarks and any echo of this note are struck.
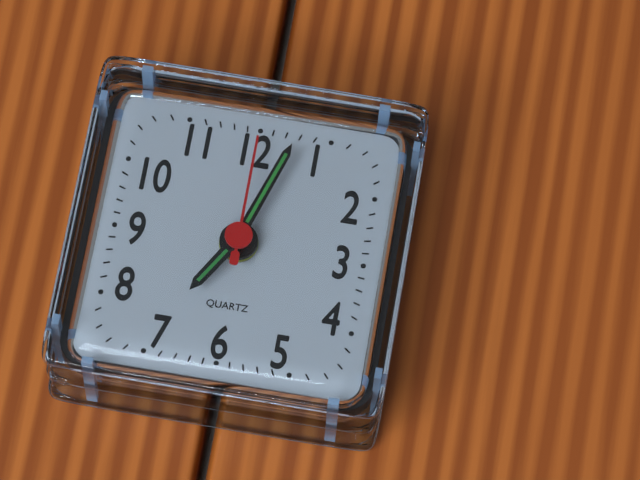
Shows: 7:03:00
